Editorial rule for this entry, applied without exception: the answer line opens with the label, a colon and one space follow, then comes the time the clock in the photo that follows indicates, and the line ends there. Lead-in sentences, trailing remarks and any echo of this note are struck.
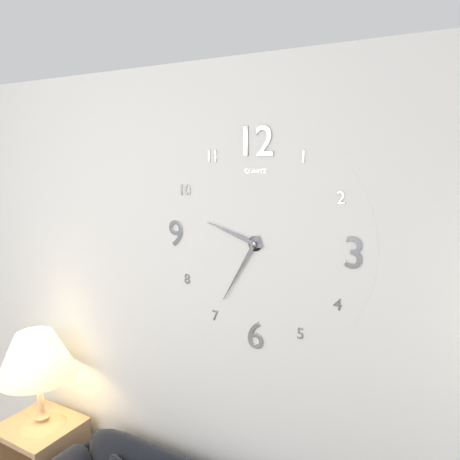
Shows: 9:35
